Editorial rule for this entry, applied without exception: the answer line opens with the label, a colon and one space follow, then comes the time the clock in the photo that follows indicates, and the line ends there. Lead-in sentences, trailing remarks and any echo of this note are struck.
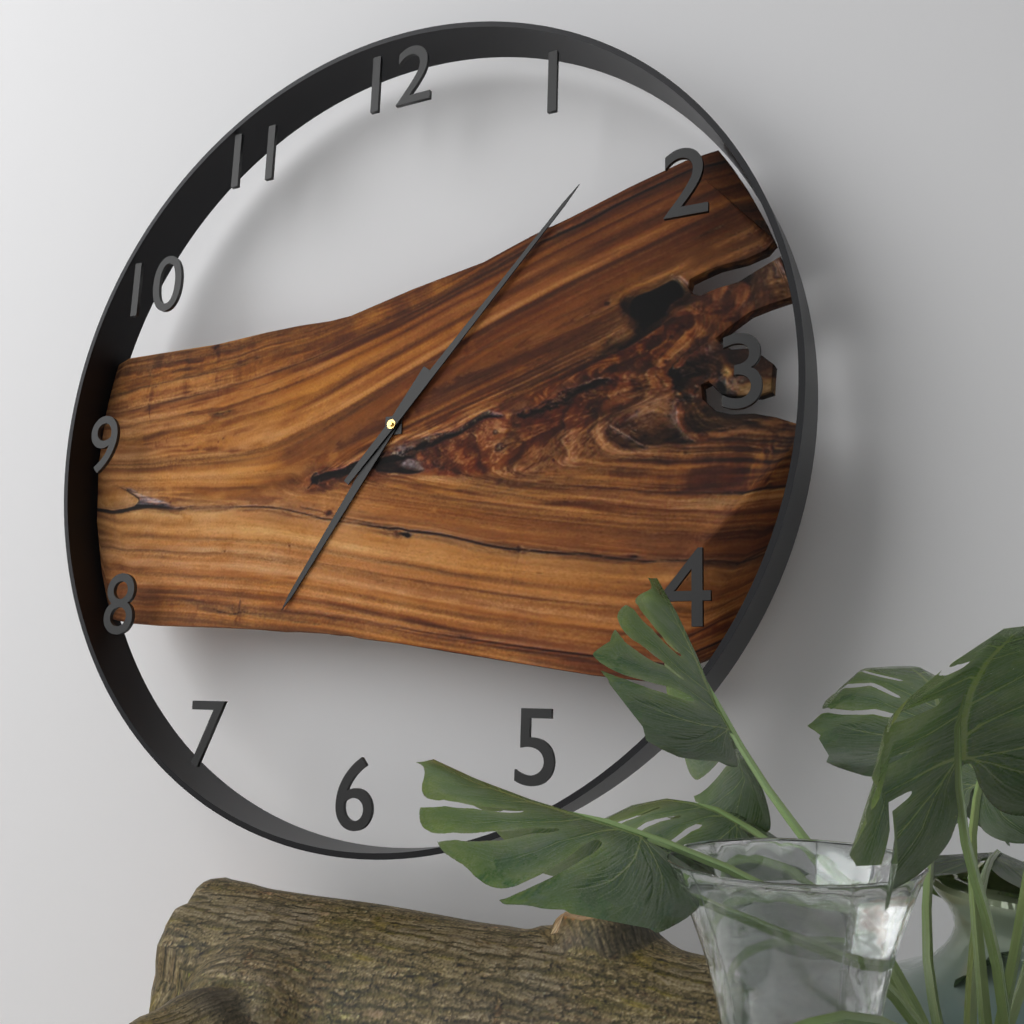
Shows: 7:07
